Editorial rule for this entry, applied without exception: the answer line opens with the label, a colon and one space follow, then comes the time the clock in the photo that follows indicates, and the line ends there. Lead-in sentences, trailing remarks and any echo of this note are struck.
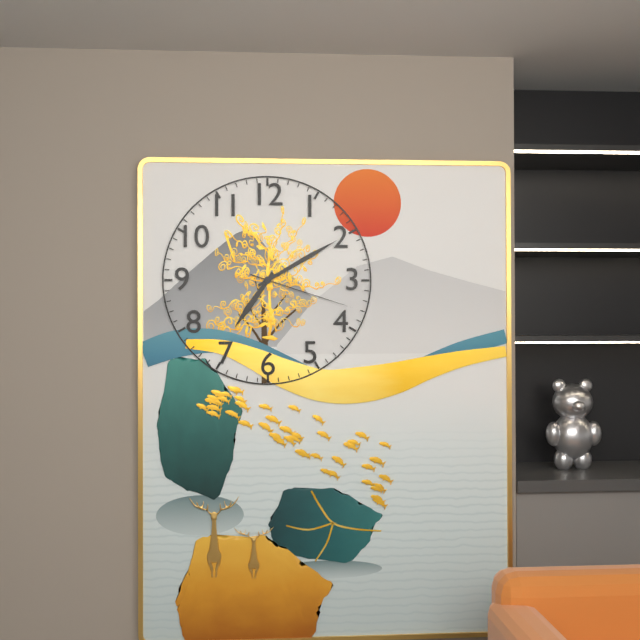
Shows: 7:10:18
